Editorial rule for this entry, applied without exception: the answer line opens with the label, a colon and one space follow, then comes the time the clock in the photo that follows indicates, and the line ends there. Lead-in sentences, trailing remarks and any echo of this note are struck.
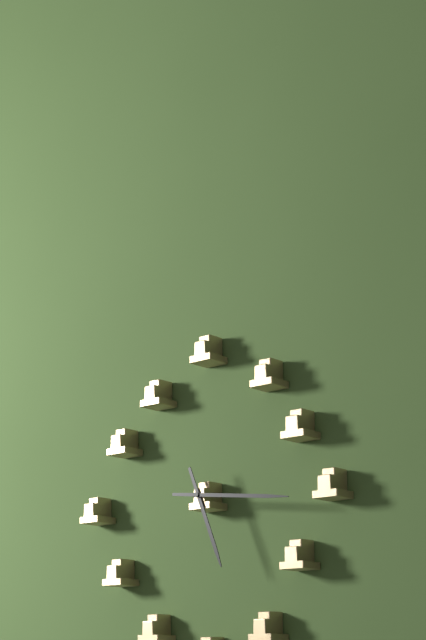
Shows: 5:16
